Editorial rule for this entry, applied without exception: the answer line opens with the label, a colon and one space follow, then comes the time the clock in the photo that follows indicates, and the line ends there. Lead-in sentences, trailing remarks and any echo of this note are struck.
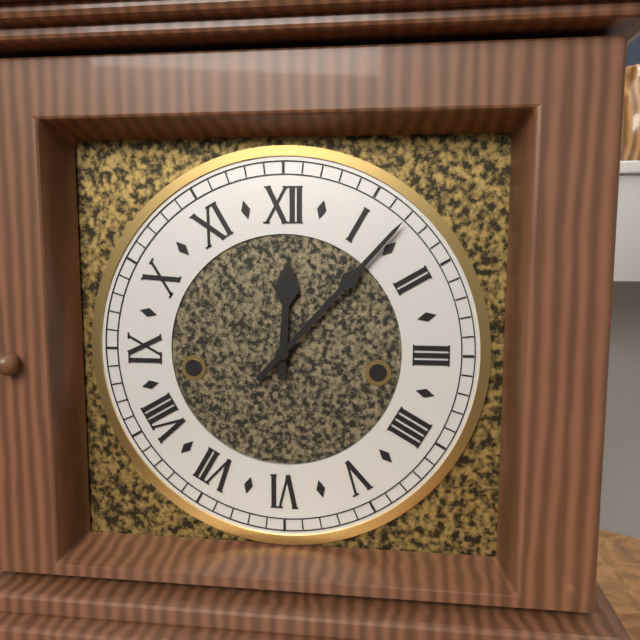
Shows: 12:07
